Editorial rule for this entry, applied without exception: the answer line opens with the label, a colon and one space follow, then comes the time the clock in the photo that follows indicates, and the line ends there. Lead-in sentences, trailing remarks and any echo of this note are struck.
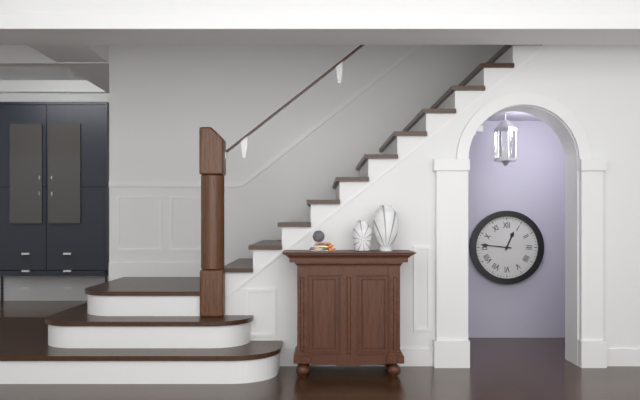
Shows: 12:46
